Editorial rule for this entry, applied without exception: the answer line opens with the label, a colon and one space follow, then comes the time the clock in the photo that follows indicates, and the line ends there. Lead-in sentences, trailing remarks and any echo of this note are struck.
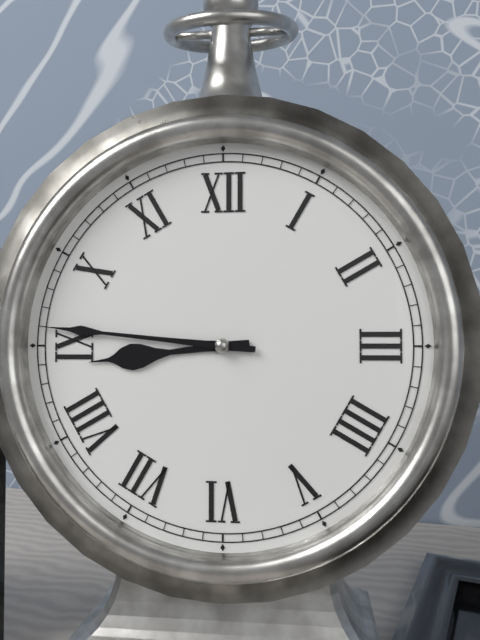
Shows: 8:46
